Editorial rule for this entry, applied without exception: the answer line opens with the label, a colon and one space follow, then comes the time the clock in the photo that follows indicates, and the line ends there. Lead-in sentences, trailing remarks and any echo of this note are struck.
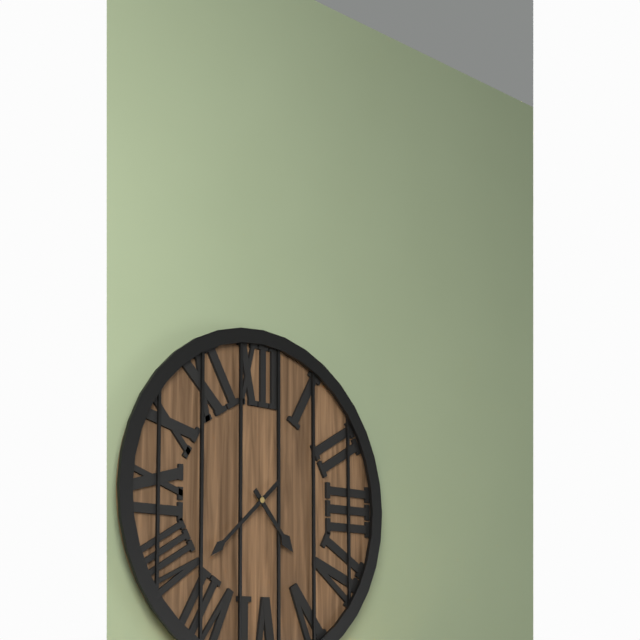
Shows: 4:38
